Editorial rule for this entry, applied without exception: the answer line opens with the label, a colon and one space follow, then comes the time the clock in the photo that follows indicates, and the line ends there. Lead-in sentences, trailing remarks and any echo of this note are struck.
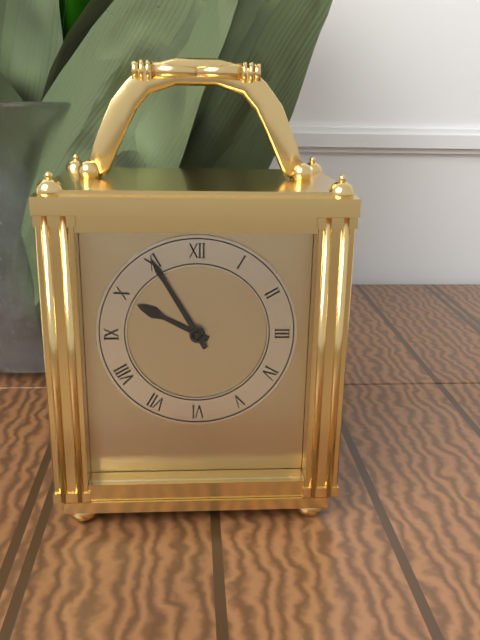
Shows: 9:55
